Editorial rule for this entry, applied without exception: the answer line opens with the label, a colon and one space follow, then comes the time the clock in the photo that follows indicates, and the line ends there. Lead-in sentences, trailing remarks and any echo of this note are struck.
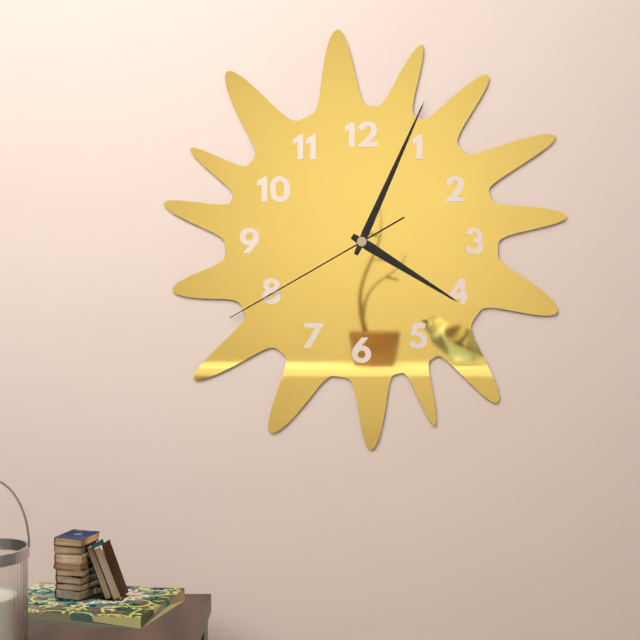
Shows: 4:04:40
